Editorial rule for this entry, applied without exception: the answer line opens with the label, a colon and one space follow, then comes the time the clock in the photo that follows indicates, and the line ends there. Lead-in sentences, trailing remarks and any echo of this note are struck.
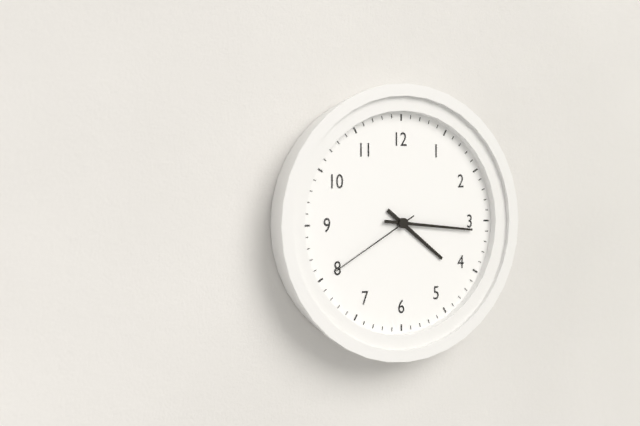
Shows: 4:16:40
